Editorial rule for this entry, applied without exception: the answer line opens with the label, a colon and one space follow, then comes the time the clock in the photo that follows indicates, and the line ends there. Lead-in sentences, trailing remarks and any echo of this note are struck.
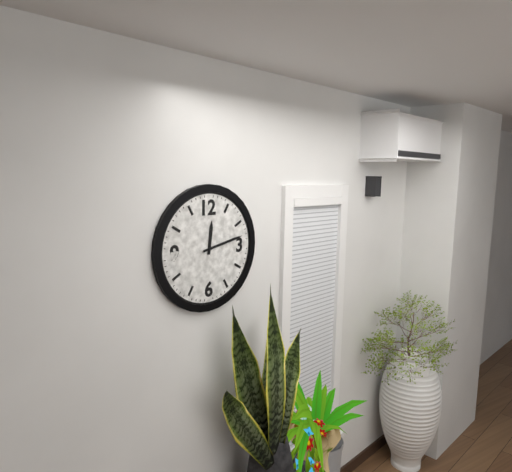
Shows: 12:13
